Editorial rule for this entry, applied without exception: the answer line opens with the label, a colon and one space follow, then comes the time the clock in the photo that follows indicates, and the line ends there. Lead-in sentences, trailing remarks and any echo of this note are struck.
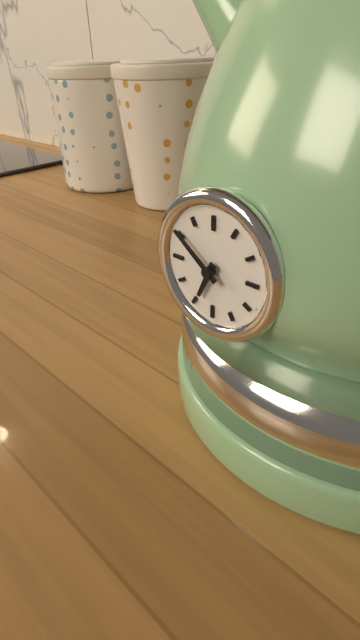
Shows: 6:51
